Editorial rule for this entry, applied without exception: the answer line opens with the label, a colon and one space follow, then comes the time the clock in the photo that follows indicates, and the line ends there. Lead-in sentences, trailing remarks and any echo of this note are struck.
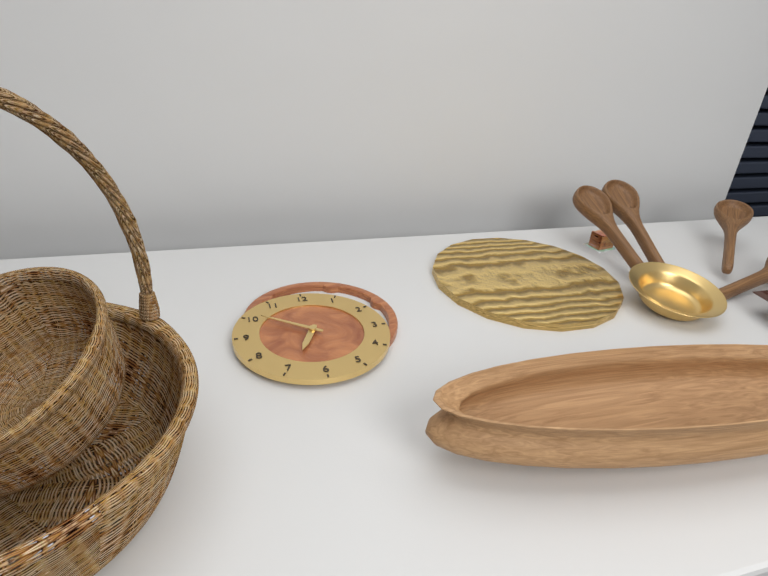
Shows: 6:51
